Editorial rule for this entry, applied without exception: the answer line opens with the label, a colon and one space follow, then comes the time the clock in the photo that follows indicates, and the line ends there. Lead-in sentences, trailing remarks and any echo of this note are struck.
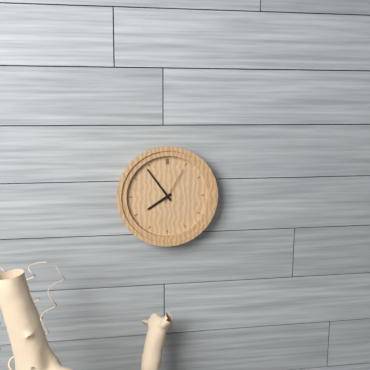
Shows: 7:54
